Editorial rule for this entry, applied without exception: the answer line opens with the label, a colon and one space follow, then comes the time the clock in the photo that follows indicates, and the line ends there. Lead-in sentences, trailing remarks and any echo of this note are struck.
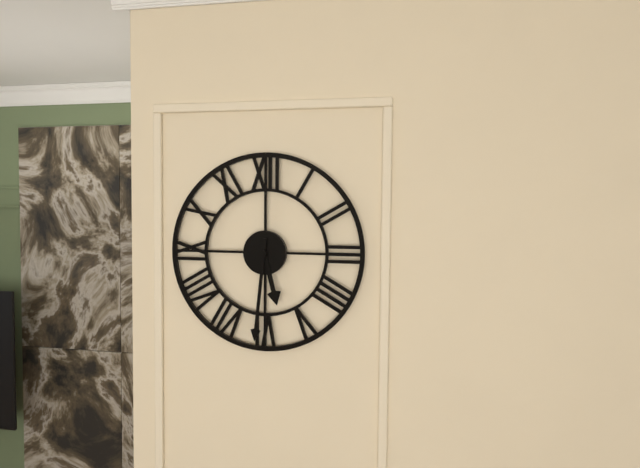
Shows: 5:31
